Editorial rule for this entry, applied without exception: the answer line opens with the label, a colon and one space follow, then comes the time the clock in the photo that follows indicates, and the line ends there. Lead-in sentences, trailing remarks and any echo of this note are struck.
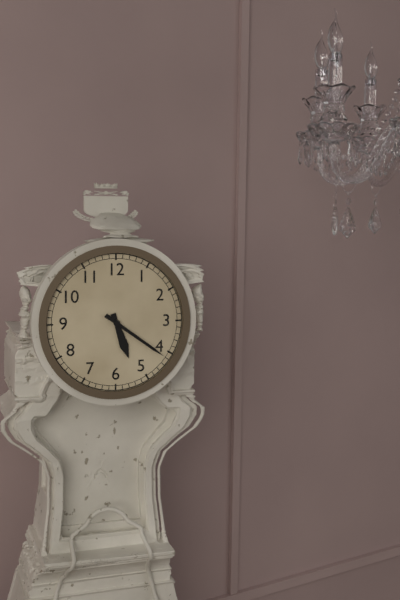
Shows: 5:21
